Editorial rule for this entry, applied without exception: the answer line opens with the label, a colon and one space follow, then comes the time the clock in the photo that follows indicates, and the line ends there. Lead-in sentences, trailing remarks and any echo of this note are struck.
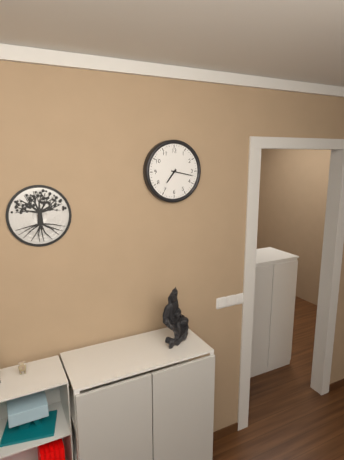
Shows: 7:17
